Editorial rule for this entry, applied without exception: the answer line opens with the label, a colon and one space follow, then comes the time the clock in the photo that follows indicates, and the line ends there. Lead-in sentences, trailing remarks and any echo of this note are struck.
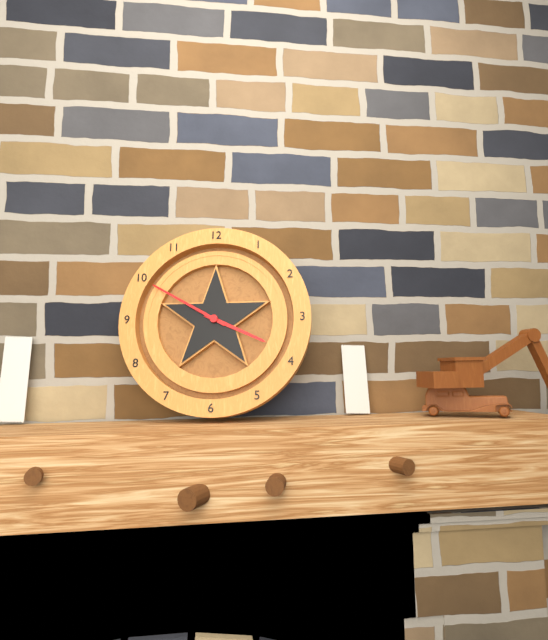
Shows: 3:50
